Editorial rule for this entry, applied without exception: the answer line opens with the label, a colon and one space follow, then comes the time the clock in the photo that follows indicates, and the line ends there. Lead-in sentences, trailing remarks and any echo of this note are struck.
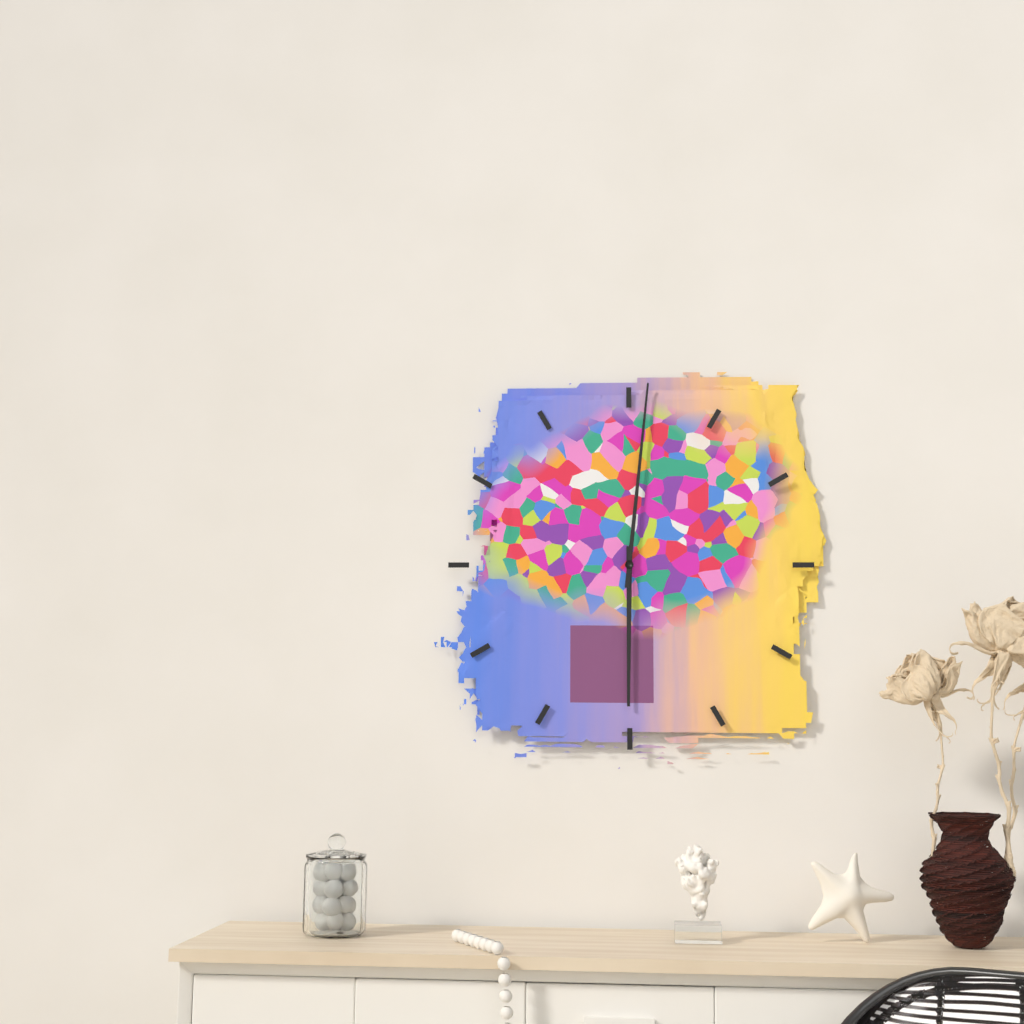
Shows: 6:01
